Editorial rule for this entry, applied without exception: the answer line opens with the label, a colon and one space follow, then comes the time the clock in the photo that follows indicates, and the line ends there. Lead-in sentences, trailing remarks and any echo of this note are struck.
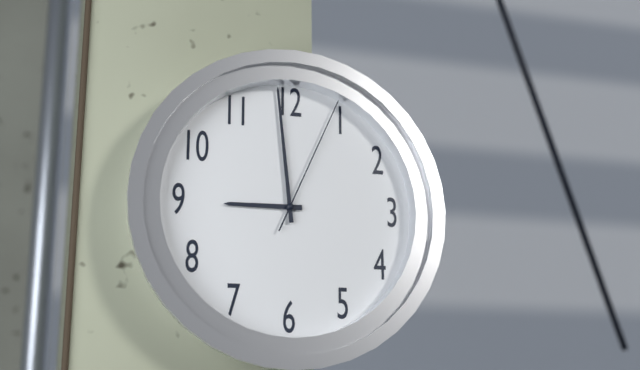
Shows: 8:59:04
